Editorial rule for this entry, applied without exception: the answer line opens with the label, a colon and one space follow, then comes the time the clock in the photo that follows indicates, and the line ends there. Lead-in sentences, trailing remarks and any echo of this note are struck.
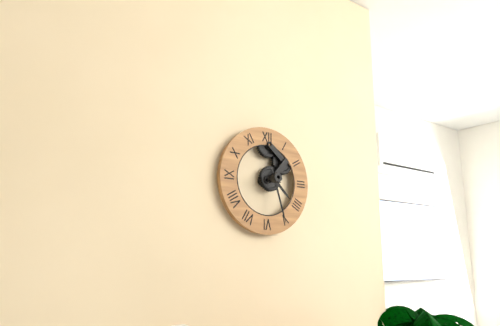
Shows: 4:27
